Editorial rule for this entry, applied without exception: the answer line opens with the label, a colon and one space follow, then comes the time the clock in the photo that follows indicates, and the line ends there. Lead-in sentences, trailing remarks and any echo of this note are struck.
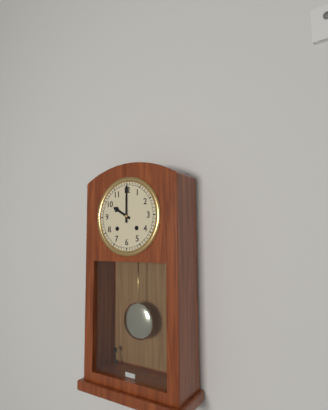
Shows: 10:00
